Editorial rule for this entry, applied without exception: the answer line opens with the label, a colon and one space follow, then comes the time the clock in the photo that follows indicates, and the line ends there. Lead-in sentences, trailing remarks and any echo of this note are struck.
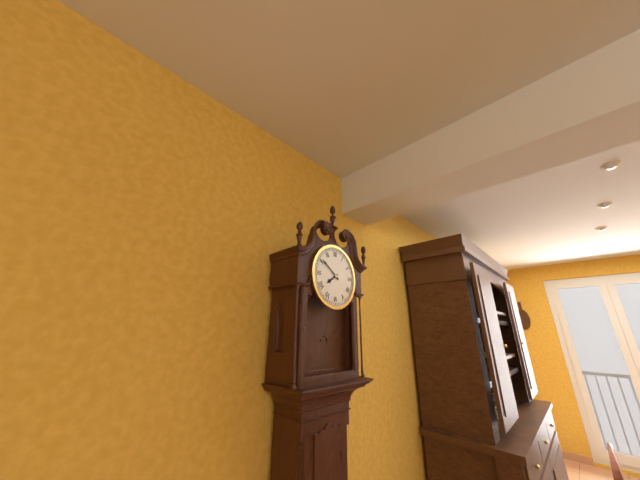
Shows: 7:51
